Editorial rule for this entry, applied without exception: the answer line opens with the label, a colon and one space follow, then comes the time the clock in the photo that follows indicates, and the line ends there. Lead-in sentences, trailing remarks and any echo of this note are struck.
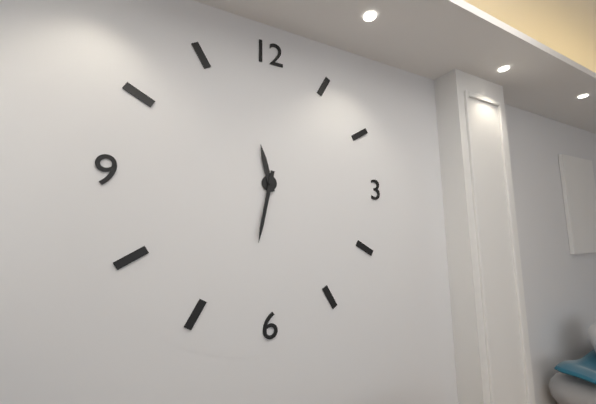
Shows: 11:32
